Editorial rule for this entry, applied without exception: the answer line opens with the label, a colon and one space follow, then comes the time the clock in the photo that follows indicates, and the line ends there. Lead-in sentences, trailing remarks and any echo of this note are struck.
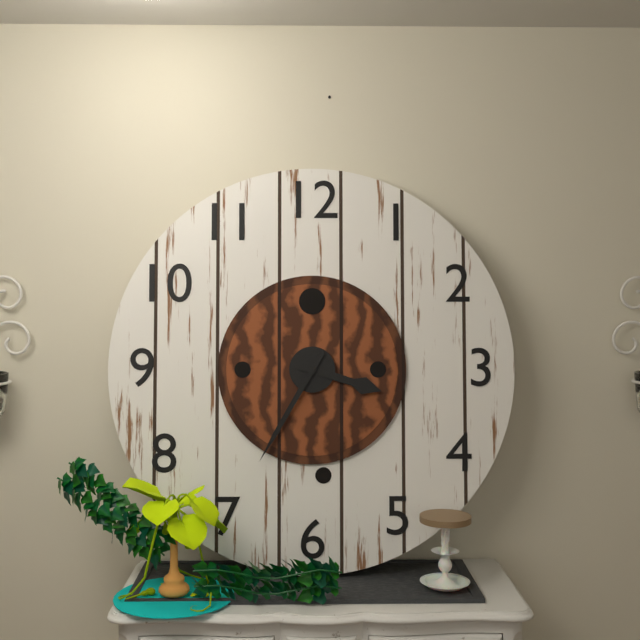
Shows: 3:35
